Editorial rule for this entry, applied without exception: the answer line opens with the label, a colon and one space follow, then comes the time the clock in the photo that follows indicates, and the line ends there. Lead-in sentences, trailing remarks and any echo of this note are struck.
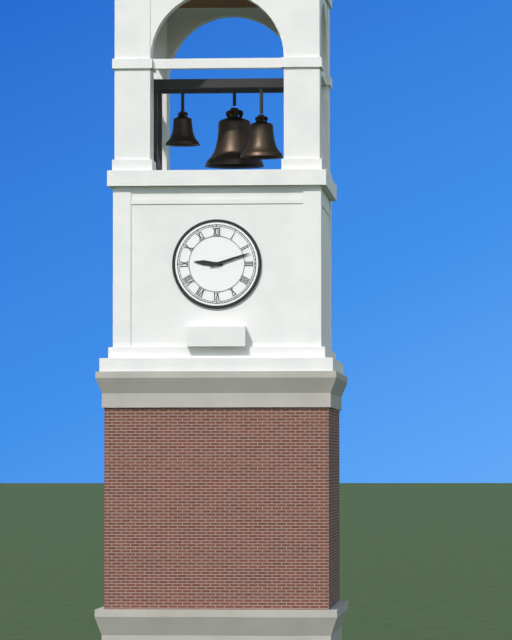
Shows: 9:12
